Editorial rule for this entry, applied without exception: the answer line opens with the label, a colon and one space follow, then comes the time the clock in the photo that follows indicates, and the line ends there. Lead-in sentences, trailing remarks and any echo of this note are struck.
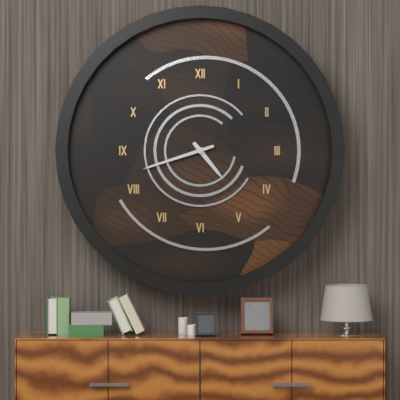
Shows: 4:42
